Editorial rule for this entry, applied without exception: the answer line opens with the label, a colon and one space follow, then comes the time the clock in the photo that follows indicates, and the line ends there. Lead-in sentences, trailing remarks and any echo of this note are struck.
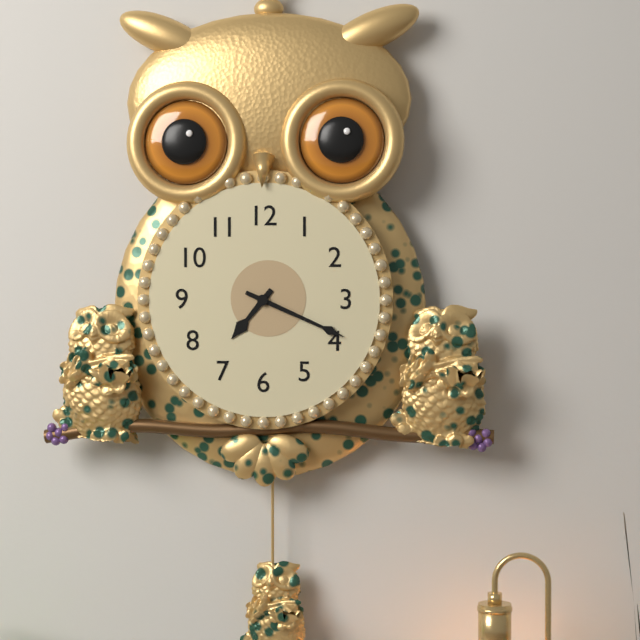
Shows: 7:19
